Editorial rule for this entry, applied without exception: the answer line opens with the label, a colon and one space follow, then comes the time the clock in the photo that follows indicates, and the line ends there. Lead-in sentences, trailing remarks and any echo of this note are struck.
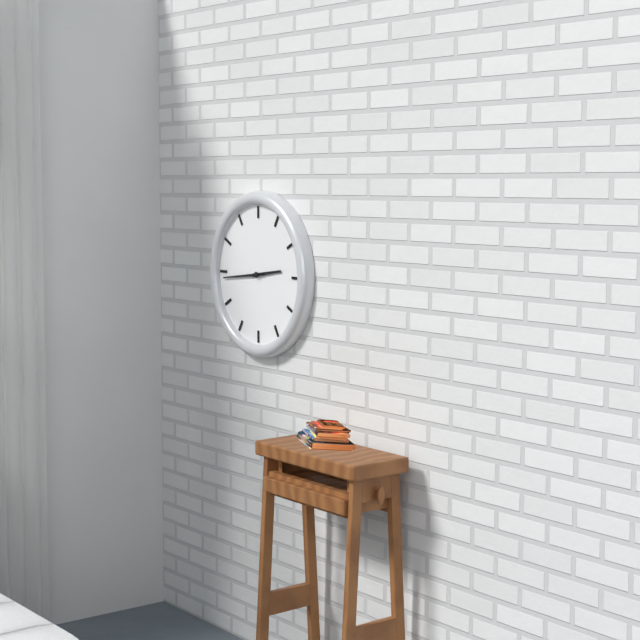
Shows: 2:44
